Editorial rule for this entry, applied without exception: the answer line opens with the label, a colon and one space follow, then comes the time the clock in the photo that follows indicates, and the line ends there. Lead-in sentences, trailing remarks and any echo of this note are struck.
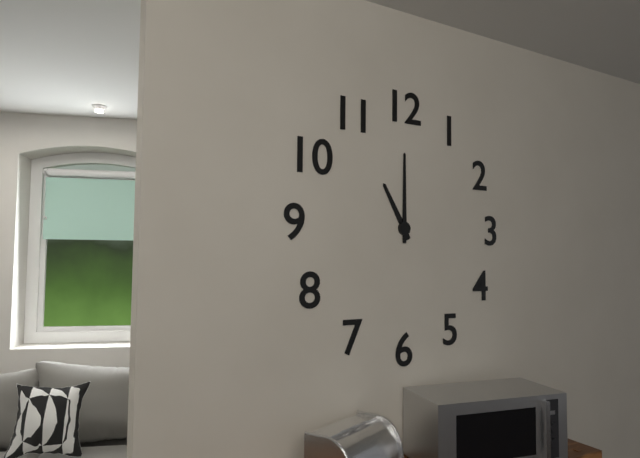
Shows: 11:00
